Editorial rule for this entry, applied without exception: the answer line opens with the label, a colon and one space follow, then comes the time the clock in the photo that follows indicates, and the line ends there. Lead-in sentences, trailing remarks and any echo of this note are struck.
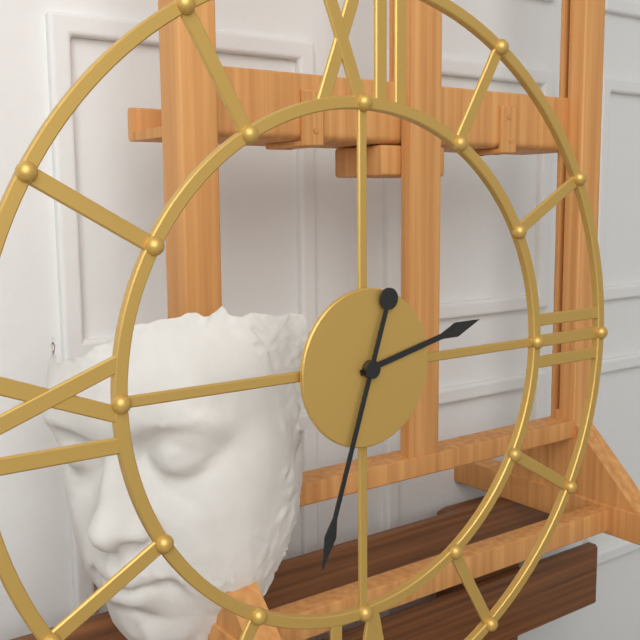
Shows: 2:33
